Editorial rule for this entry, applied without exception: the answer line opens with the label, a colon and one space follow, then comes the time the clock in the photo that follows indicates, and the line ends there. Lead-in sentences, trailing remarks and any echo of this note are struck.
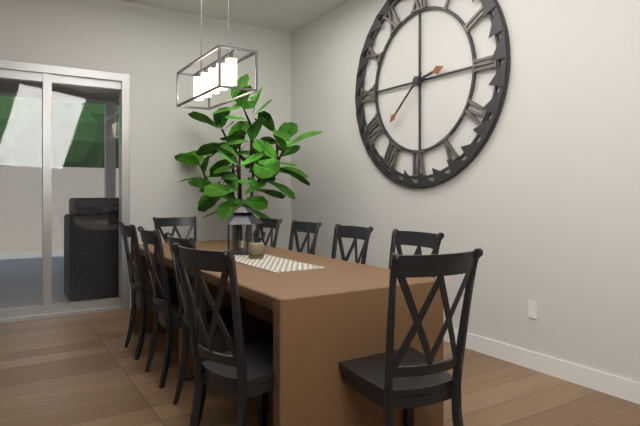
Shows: 2:38
